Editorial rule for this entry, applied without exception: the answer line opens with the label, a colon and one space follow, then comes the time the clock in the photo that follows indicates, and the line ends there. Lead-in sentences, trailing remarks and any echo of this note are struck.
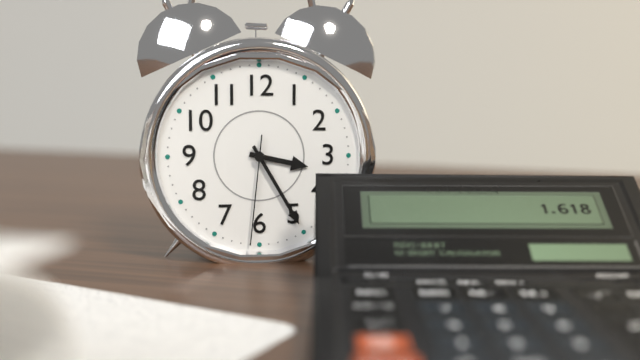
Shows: 3:25:31
